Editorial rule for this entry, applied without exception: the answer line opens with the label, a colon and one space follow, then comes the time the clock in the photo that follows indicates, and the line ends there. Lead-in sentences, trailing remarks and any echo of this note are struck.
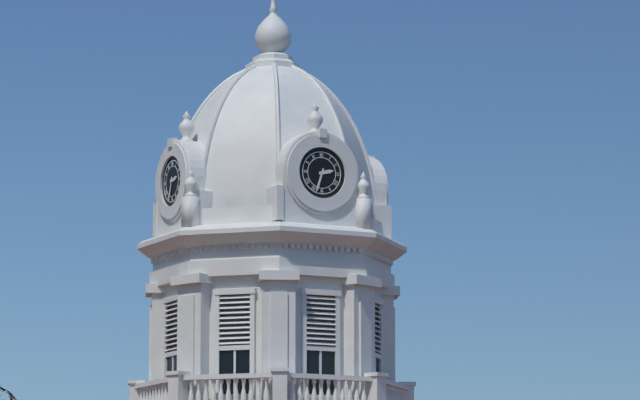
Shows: 2:33
